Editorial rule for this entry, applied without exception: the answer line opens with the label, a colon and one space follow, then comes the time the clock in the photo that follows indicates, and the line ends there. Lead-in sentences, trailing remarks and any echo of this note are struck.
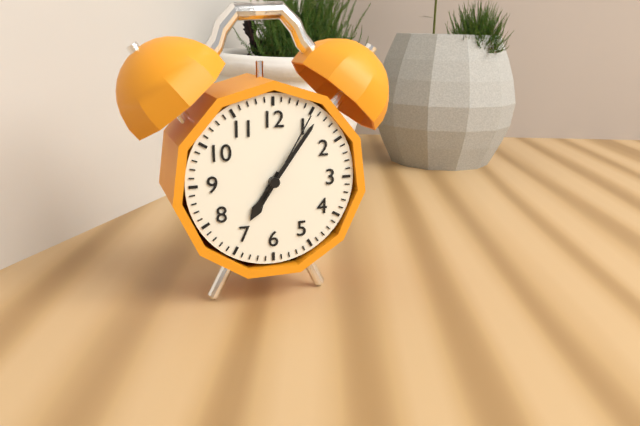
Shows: 7:06:05
